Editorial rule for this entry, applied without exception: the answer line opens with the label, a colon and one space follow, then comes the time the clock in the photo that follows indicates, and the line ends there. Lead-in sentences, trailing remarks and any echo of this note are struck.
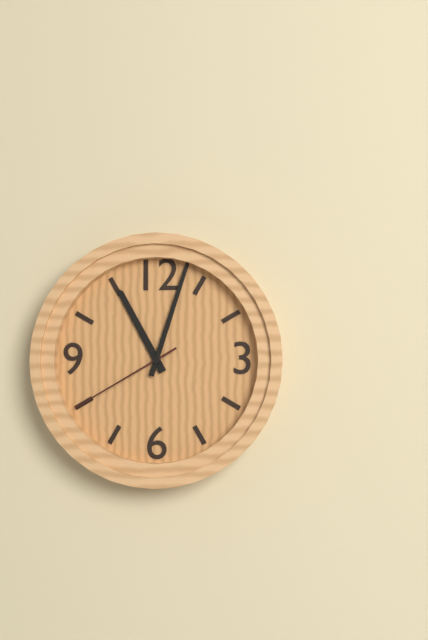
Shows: 11:03:40
